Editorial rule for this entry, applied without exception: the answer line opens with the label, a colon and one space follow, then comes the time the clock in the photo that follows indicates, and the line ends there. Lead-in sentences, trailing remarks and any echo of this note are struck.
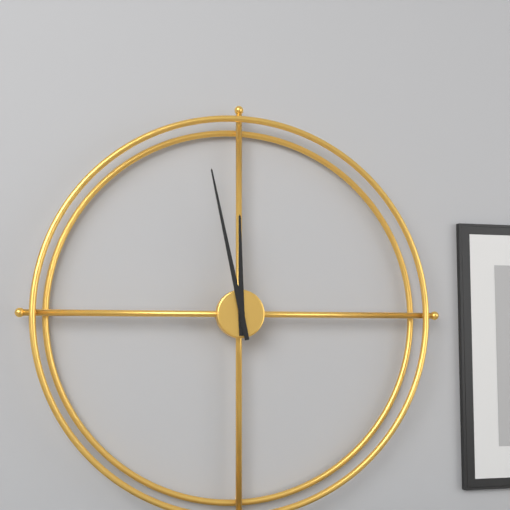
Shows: 11:58
